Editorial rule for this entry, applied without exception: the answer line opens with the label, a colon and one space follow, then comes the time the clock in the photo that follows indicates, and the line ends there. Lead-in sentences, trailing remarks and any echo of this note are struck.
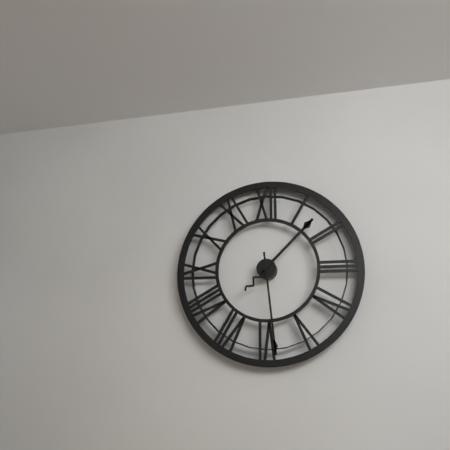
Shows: 1:29
